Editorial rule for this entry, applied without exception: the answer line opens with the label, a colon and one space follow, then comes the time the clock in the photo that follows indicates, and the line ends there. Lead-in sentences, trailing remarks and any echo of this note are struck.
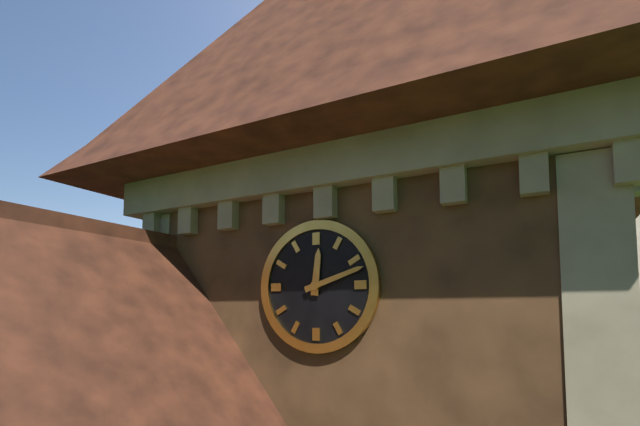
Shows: 12:12
